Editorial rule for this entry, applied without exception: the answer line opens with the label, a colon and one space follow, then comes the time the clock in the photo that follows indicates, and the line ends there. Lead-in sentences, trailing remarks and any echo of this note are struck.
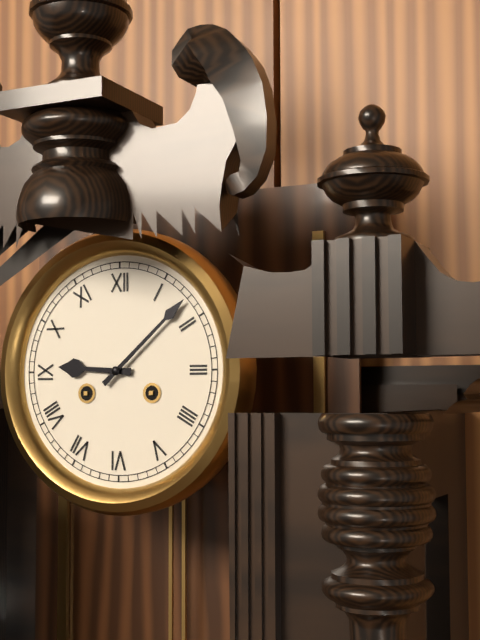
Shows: 9:08
